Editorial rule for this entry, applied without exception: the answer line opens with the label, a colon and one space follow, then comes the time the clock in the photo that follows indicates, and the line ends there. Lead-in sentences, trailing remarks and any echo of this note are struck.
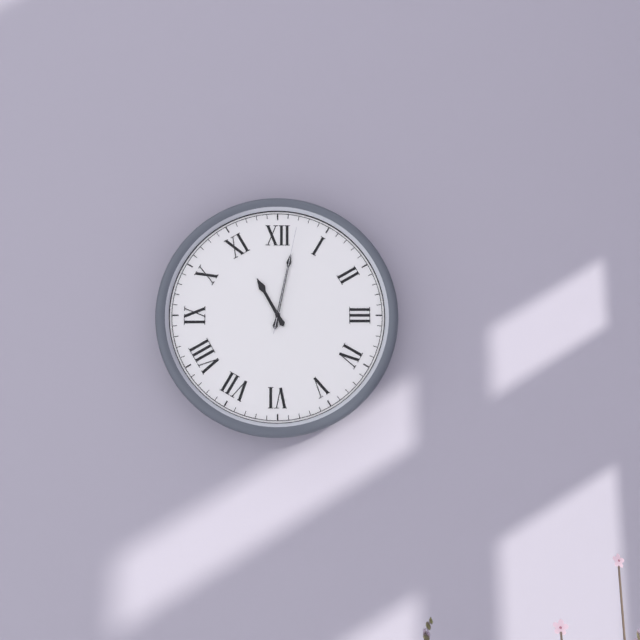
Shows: 11:02:02
